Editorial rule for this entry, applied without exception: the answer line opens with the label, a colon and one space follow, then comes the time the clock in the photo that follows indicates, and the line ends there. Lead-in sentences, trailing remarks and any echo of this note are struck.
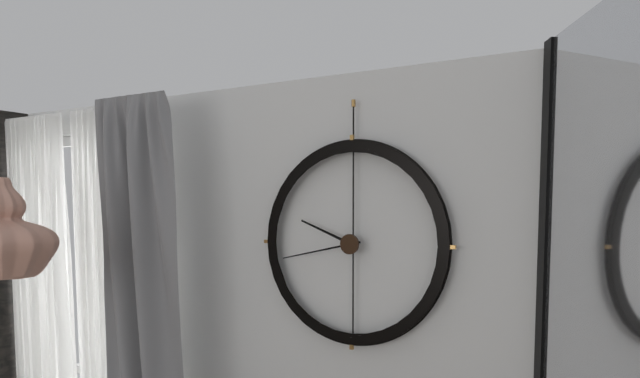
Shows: 9:43
